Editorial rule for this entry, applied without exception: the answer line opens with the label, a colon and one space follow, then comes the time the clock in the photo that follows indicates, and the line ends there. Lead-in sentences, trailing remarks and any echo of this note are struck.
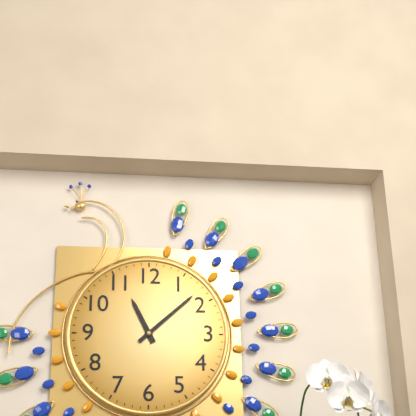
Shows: 11:08
